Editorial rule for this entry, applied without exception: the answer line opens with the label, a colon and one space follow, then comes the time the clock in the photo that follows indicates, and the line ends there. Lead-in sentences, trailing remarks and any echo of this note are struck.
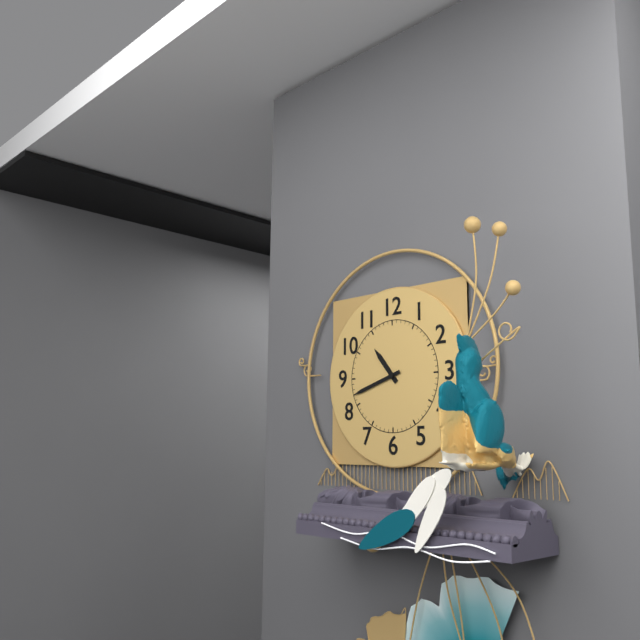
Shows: 10:42
